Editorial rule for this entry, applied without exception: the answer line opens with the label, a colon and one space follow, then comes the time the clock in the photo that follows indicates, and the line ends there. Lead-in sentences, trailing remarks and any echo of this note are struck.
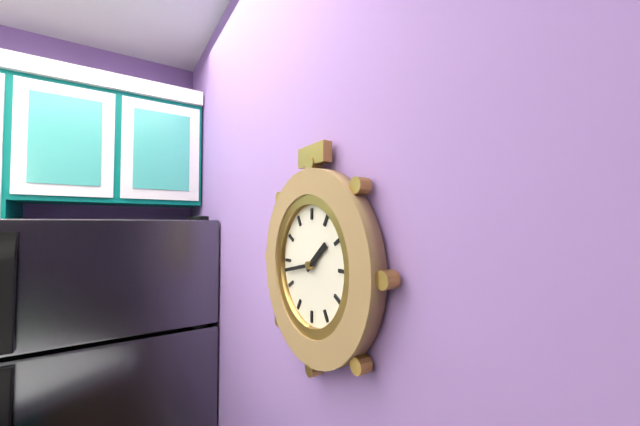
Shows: 1:43
